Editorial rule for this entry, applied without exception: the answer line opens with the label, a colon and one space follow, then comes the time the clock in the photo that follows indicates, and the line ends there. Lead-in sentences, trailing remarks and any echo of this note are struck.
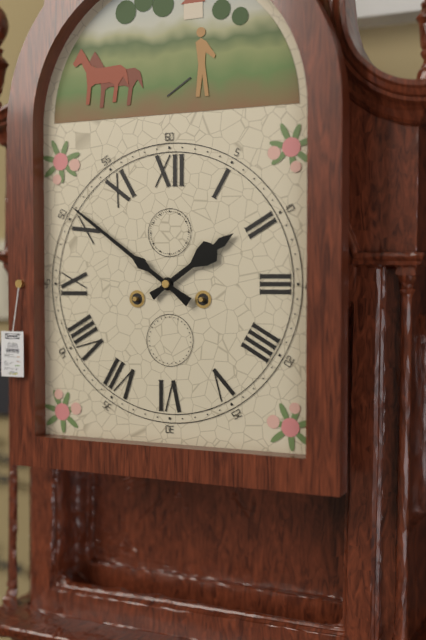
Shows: 1:51
